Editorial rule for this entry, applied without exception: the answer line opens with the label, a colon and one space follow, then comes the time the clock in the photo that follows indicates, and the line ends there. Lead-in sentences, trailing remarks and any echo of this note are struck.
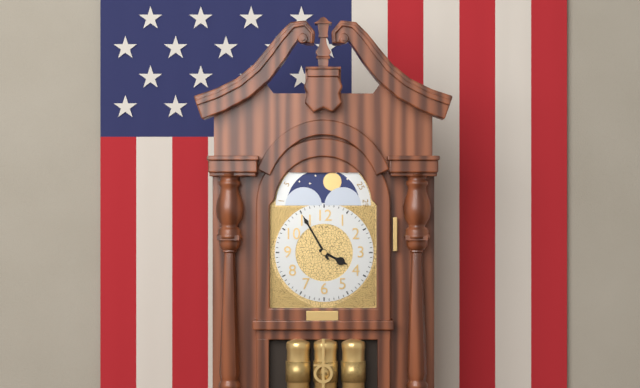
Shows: 3:55
